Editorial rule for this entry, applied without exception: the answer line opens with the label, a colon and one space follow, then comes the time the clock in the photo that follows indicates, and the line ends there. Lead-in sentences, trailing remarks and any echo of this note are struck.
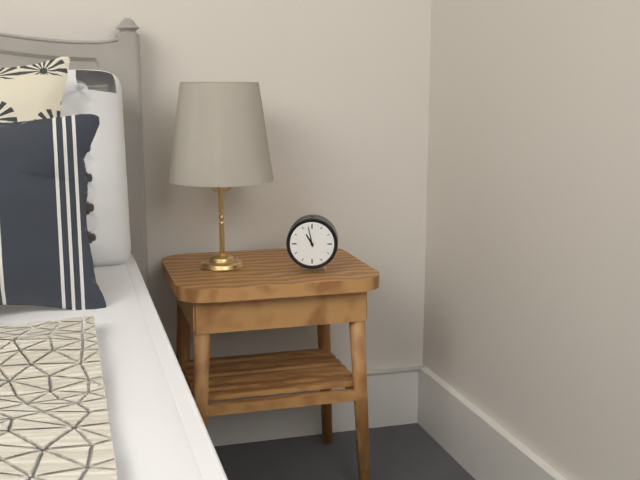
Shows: 10:58
